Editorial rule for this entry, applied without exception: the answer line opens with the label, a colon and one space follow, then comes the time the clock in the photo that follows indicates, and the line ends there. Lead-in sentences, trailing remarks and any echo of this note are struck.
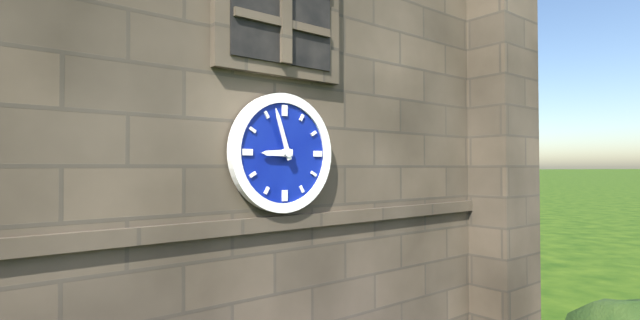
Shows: 8:57
